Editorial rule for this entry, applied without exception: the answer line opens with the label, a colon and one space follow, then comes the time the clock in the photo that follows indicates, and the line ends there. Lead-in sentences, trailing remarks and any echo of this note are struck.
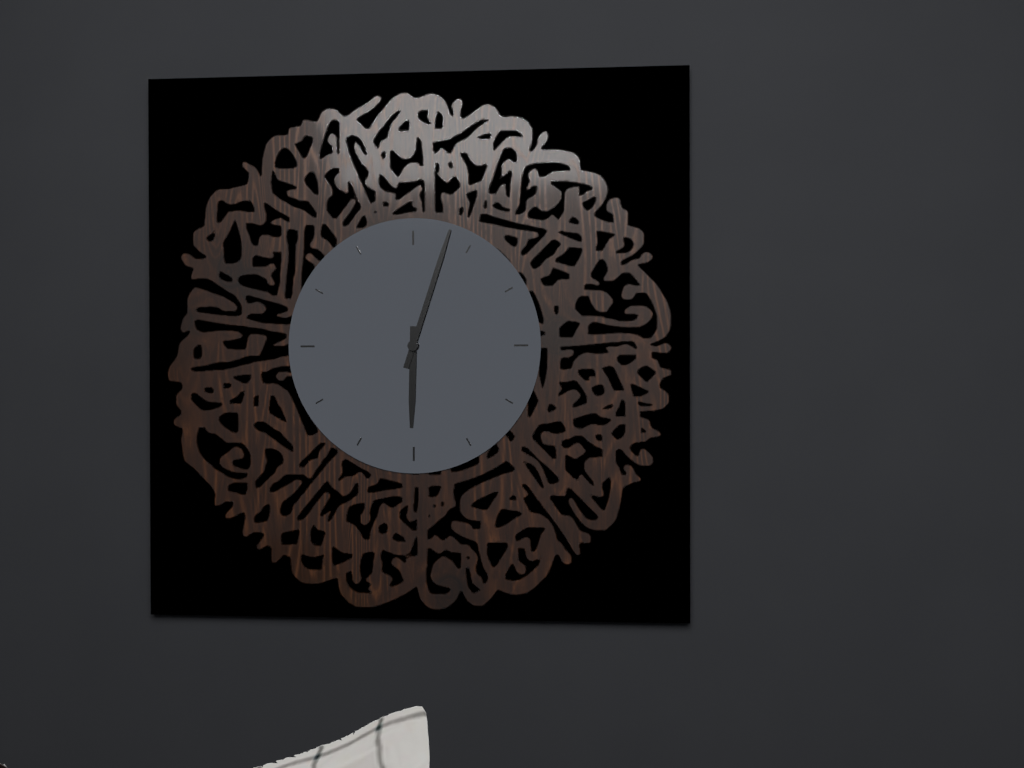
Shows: 6:03
